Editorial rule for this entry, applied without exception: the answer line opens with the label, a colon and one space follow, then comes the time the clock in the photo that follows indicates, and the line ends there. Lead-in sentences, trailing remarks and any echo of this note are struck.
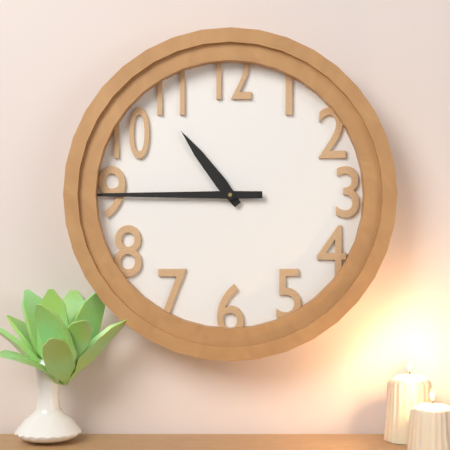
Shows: 10:45
